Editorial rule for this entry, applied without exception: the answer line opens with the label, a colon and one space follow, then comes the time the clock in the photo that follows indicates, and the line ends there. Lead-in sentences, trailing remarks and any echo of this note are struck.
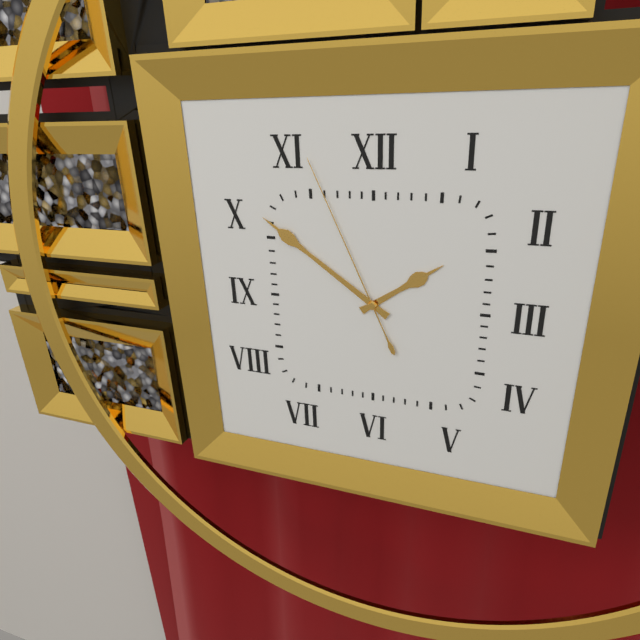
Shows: 1:51:56
